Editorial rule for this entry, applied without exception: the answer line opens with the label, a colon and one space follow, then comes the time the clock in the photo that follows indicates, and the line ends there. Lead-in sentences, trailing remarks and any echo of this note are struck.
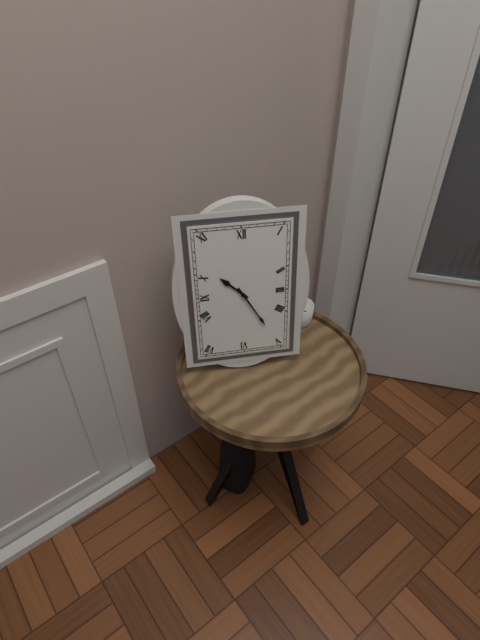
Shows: 10:25
